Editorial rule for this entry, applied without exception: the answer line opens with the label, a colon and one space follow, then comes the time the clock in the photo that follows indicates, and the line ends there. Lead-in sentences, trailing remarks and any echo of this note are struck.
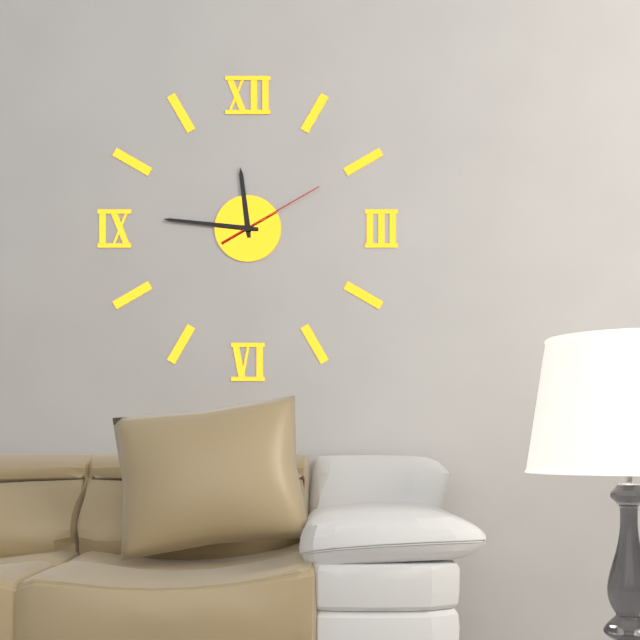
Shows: 11:46:10
